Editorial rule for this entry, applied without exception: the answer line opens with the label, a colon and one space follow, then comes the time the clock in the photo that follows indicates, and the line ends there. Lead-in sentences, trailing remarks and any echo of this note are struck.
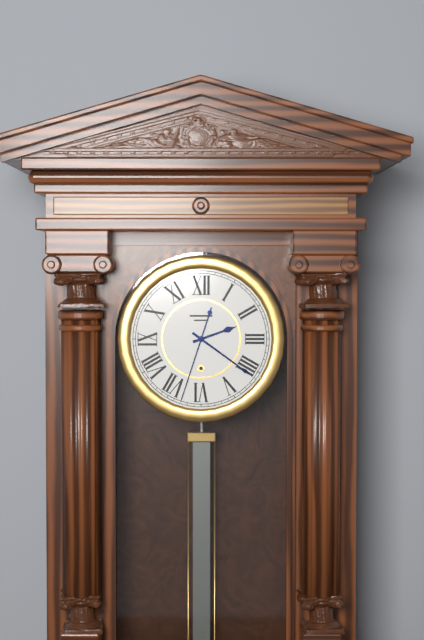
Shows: 2:21:33
